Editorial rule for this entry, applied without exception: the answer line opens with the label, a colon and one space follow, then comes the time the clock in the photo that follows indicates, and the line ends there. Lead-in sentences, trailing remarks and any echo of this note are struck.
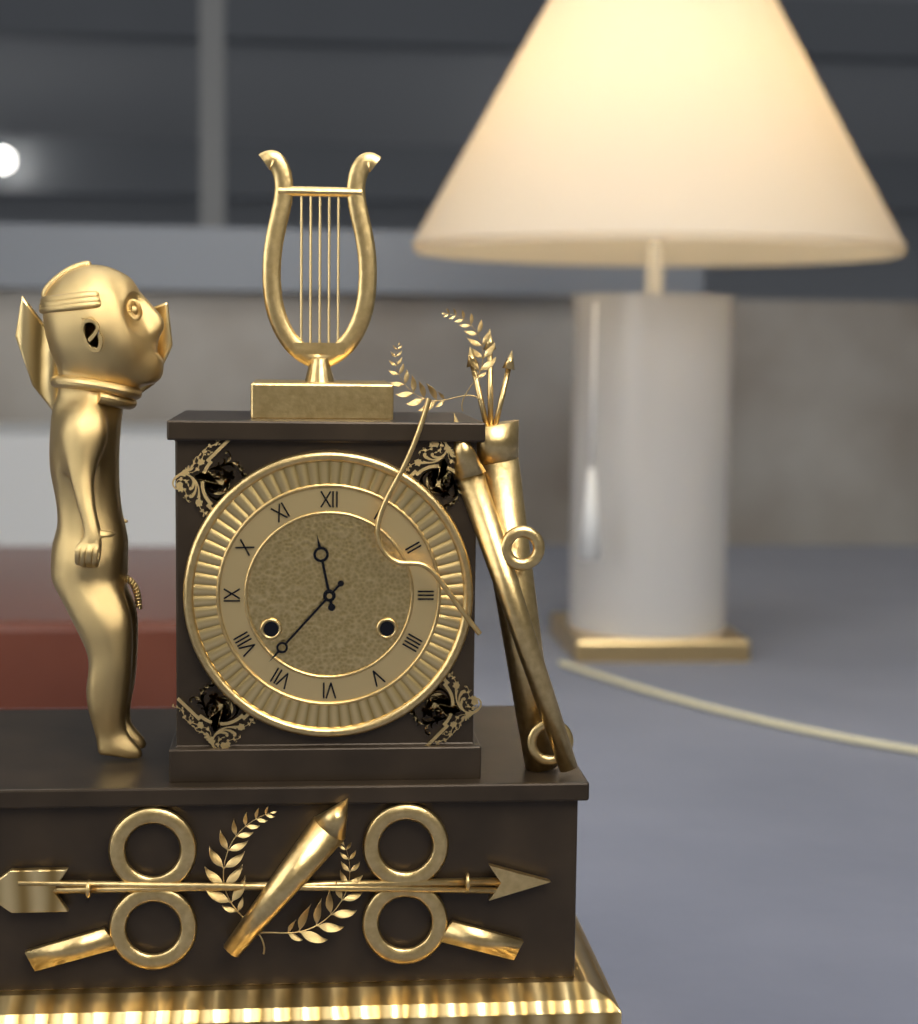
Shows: 11:37
